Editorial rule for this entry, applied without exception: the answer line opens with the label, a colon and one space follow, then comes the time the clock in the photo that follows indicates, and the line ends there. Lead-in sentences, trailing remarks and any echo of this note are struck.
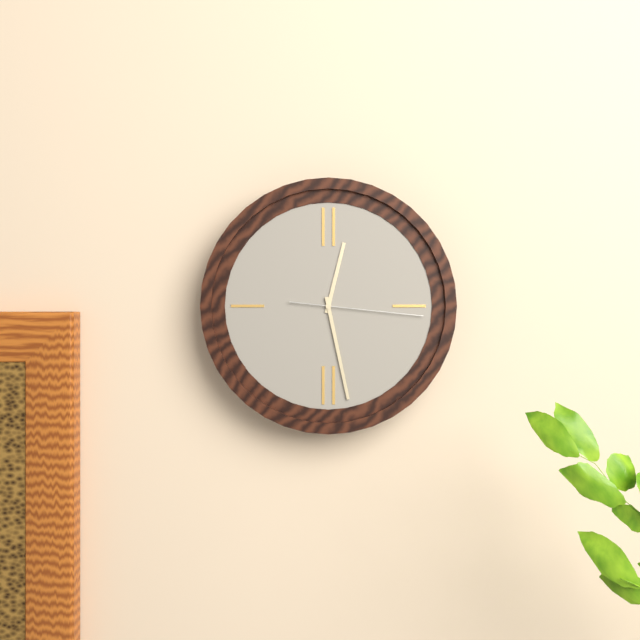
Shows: 12:28:16
